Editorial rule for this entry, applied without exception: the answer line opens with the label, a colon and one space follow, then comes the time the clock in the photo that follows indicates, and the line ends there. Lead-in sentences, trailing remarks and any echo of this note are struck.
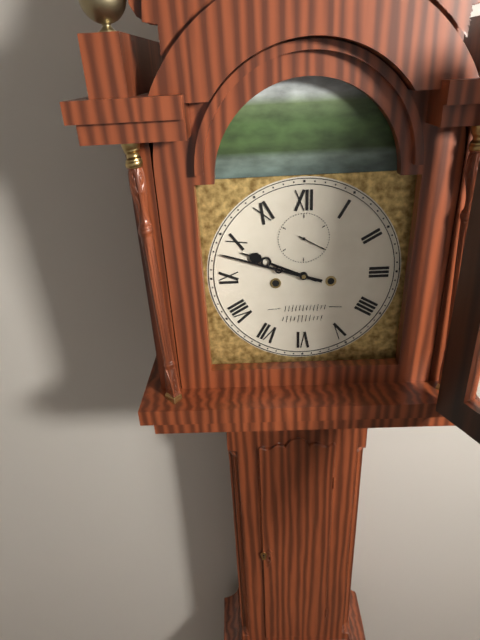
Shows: 9:48
